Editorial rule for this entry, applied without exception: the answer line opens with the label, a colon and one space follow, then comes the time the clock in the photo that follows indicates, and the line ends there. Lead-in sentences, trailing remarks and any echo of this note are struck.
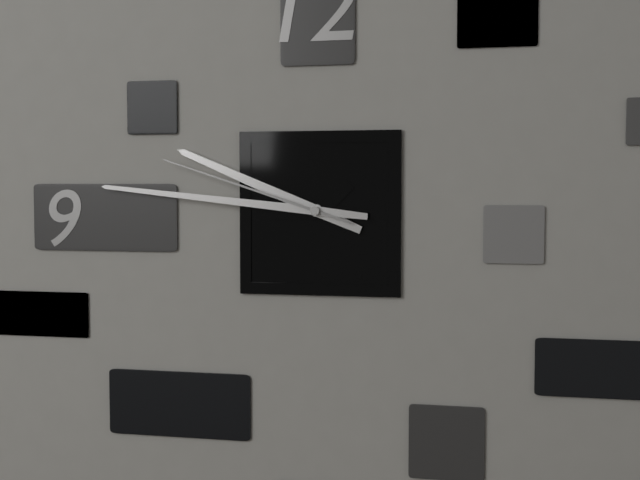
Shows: 9:46:48
